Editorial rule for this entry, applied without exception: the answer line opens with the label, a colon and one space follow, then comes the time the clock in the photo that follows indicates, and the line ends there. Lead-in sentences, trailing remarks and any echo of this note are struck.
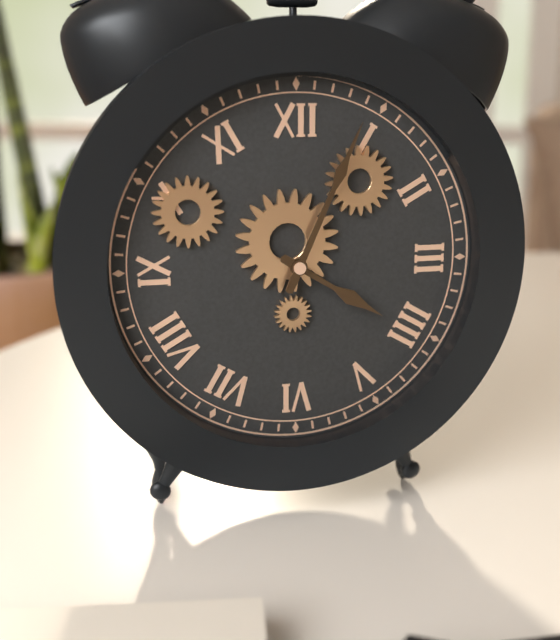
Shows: 4:04
